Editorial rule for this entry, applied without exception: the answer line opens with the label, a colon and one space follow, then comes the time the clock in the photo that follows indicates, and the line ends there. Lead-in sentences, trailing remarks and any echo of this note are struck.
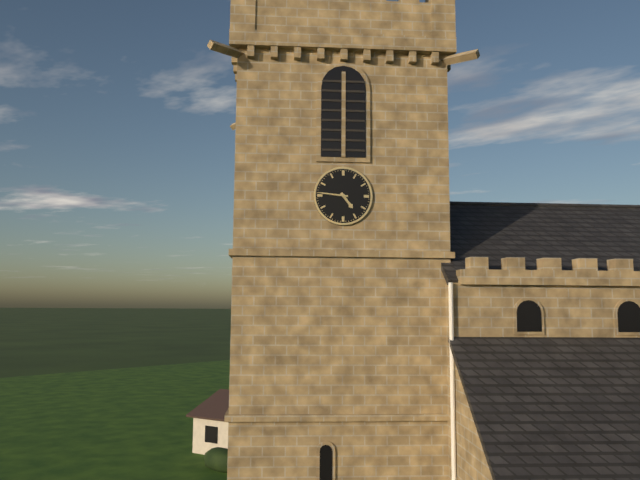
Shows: 4:46
